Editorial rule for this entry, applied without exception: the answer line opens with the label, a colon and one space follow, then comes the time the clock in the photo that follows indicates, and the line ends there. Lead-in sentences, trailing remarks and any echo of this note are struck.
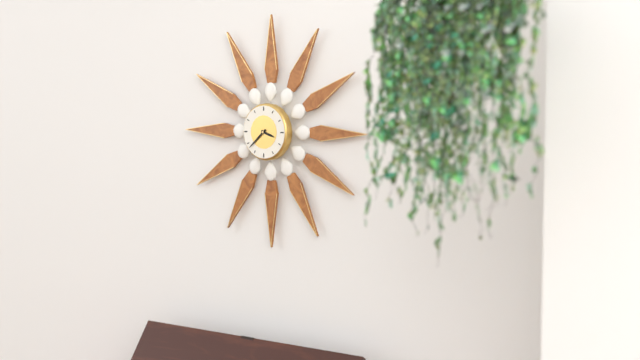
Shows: 3:38
